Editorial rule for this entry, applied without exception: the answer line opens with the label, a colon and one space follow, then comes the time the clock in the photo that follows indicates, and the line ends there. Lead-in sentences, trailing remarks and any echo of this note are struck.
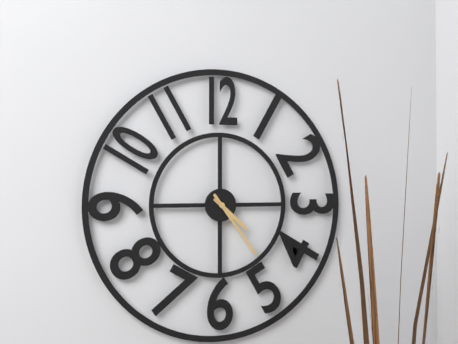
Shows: 4:24
